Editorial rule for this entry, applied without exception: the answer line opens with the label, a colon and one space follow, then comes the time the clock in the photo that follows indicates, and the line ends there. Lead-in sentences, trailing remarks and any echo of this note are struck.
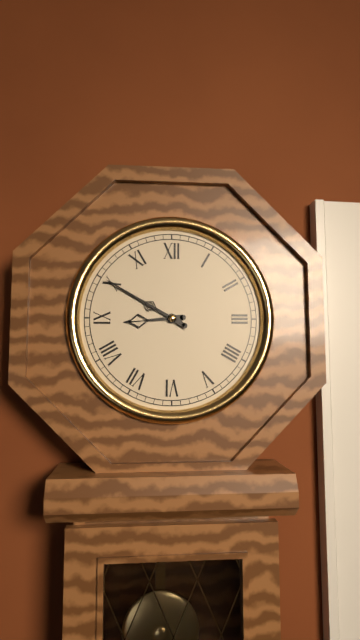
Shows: 8:50
